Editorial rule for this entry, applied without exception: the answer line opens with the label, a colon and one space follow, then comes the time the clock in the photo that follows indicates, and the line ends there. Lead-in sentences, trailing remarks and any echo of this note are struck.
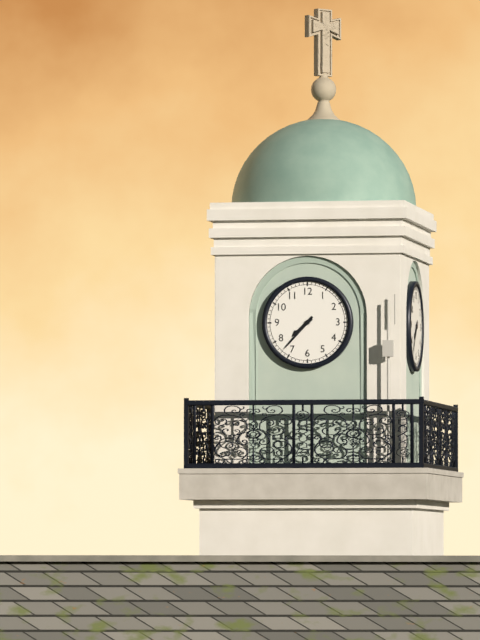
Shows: 7:37
